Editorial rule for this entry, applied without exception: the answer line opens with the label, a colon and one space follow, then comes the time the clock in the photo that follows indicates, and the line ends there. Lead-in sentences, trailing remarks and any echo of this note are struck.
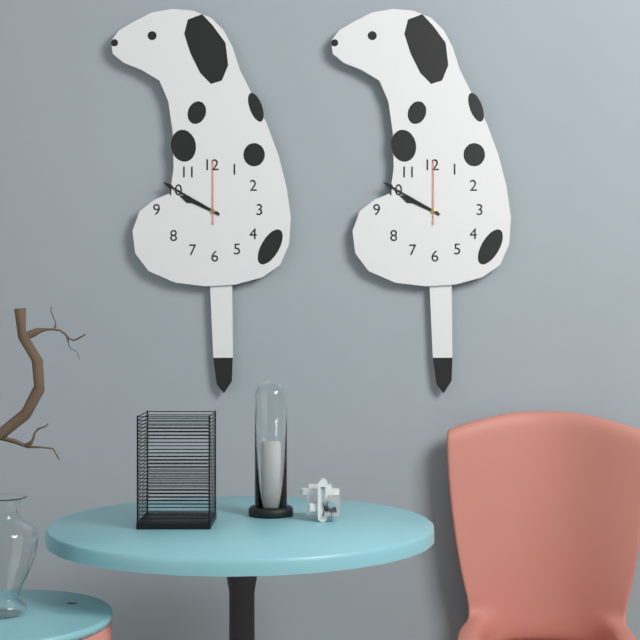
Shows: 9:50:00
